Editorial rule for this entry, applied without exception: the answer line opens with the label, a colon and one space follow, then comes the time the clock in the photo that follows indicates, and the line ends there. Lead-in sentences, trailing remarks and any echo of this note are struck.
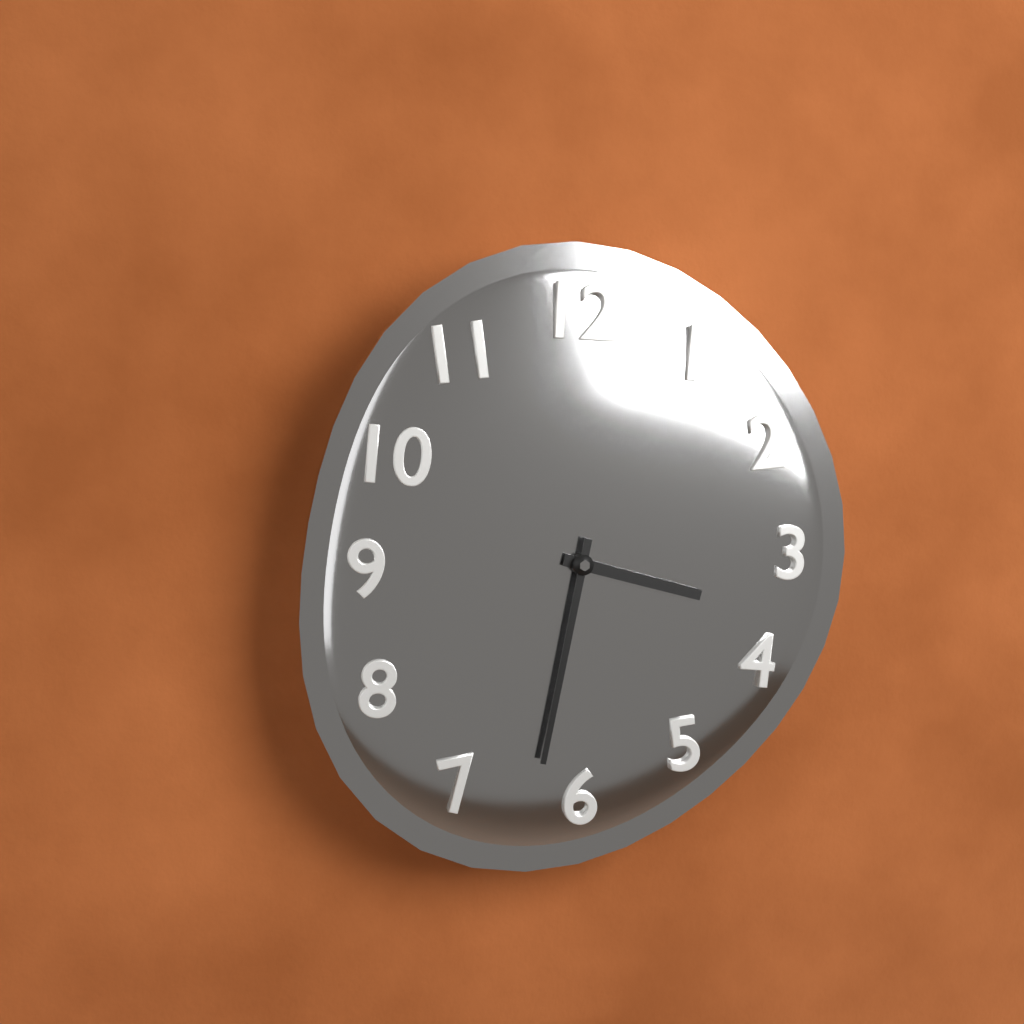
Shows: 3:32
